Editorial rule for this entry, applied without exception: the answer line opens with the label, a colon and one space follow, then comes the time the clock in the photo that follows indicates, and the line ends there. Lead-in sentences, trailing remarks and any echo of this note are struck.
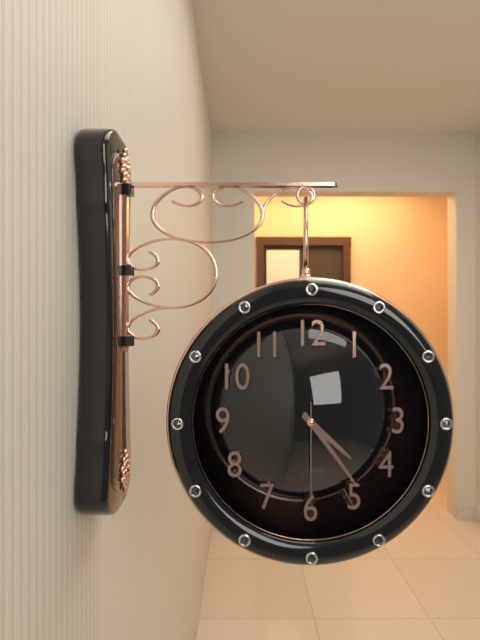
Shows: 4:24:30
